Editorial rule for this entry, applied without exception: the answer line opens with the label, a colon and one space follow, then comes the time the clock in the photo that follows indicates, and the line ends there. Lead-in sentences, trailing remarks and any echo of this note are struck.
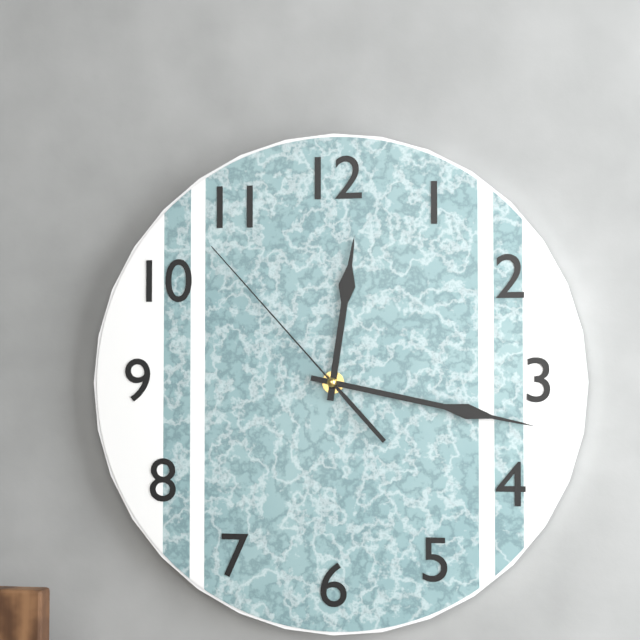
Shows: 12:17:53
